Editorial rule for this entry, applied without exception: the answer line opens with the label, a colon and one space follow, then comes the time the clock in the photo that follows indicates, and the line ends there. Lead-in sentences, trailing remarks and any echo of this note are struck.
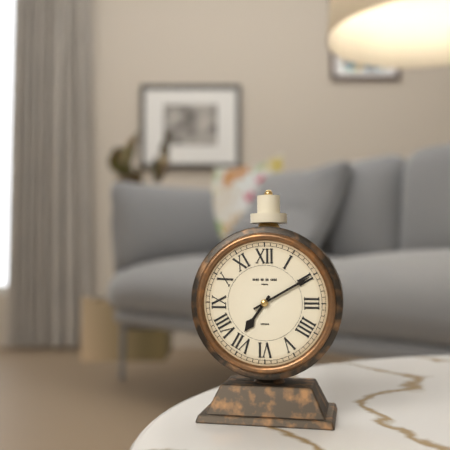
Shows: 7:10
